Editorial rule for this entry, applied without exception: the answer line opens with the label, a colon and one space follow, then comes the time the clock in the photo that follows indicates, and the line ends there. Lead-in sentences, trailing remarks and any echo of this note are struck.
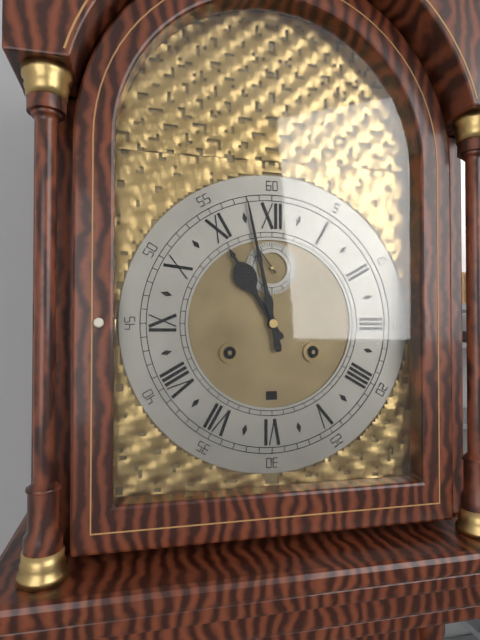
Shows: 10:58
